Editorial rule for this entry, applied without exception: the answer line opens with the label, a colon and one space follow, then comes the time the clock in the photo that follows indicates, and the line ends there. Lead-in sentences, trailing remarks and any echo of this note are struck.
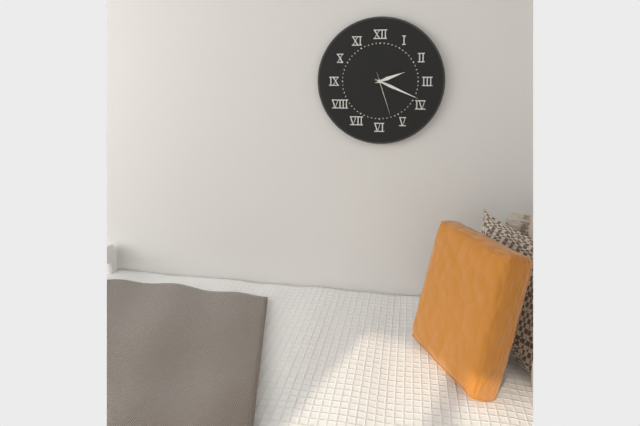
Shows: 2:19
